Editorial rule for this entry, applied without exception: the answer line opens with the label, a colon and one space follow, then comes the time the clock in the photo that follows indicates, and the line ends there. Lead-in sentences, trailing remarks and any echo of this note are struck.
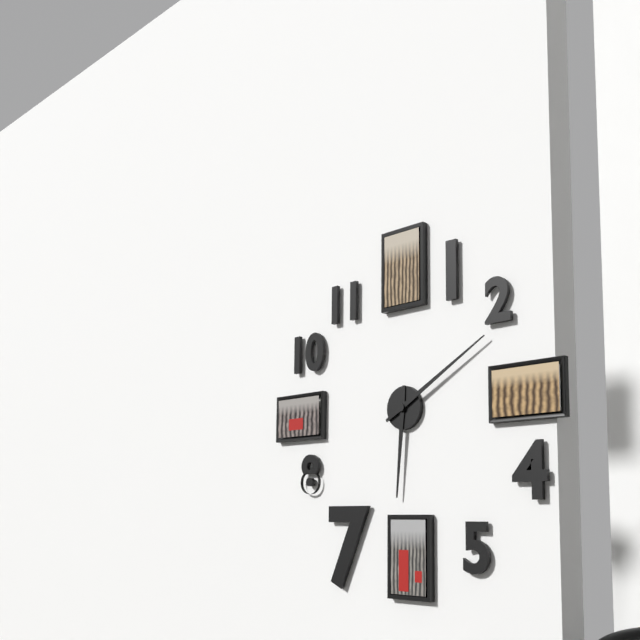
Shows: 6:10
